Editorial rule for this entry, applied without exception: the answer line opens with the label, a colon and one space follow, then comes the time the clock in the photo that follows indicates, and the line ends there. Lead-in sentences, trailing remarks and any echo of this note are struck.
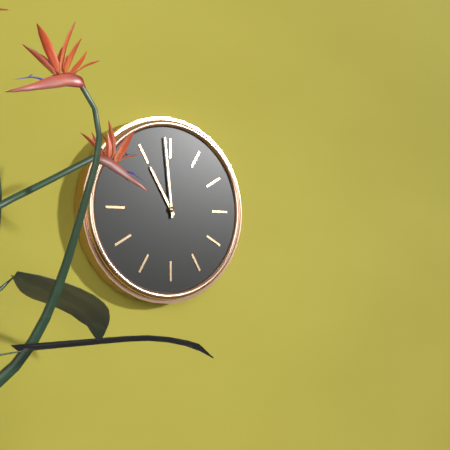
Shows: 10:59
